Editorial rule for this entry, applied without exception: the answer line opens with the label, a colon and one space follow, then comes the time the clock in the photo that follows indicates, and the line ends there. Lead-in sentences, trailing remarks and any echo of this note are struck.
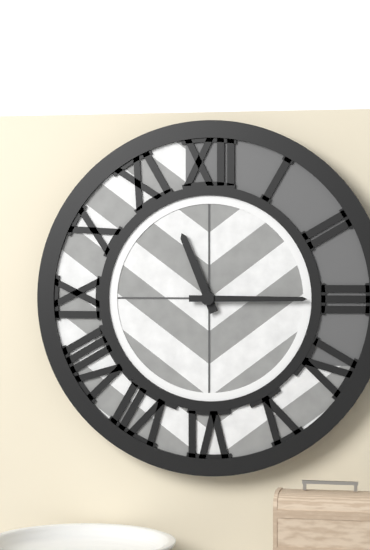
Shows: 11:15
